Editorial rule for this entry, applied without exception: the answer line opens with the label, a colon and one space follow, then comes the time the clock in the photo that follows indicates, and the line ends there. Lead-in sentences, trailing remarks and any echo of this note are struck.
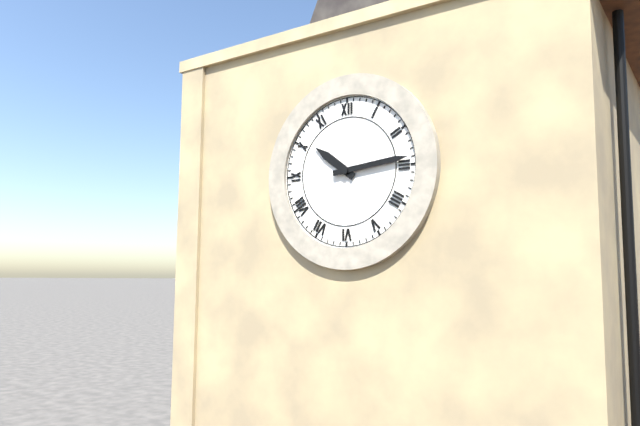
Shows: 10:14
